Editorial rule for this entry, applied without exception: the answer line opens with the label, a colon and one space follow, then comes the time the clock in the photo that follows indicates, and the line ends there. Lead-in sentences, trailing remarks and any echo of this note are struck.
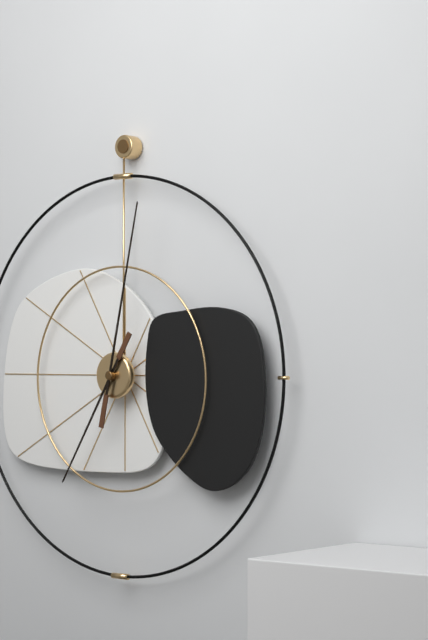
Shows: 7:02
